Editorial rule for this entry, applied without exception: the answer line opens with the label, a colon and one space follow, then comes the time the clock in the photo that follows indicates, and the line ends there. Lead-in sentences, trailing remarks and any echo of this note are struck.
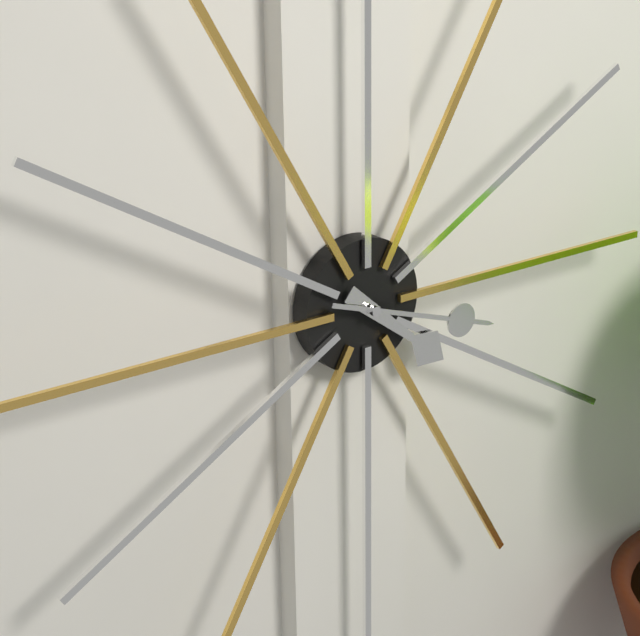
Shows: 4:18
